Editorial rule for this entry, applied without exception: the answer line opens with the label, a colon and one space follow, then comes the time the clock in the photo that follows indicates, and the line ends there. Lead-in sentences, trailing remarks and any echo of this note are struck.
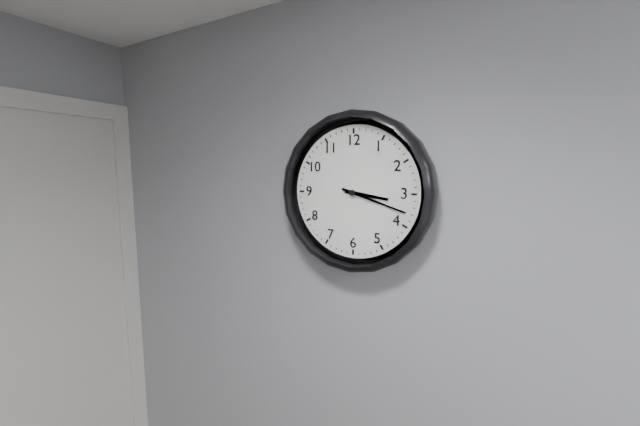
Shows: 3:18
